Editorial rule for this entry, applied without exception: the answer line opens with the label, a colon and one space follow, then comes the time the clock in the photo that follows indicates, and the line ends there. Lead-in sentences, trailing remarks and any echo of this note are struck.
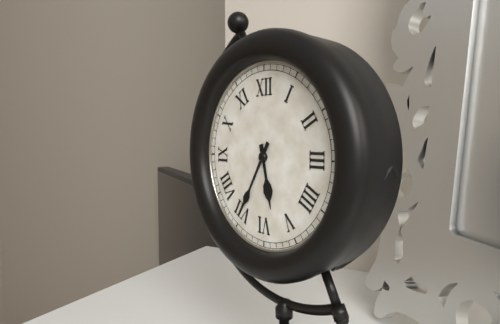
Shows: 5:35
